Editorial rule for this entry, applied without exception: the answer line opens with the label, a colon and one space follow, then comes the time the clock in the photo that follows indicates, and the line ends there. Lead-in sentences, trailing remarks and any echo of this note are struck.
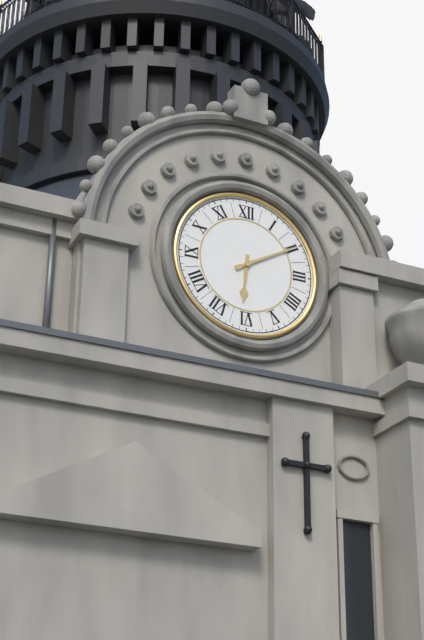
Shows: 6:10
